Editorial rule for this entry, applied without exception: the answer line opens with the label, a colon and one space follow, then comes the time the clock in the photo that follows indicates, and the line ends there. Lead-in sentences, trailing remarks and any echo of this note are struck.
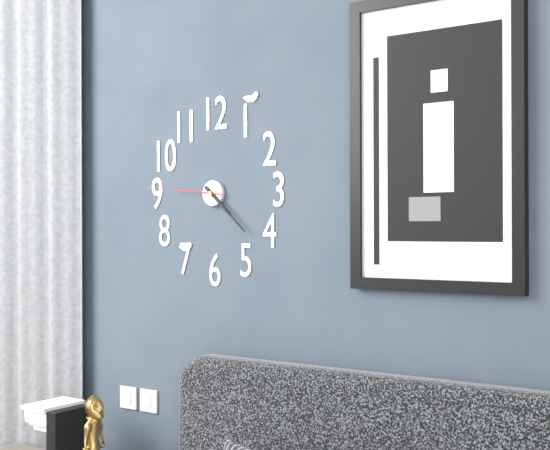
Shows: 4:22
